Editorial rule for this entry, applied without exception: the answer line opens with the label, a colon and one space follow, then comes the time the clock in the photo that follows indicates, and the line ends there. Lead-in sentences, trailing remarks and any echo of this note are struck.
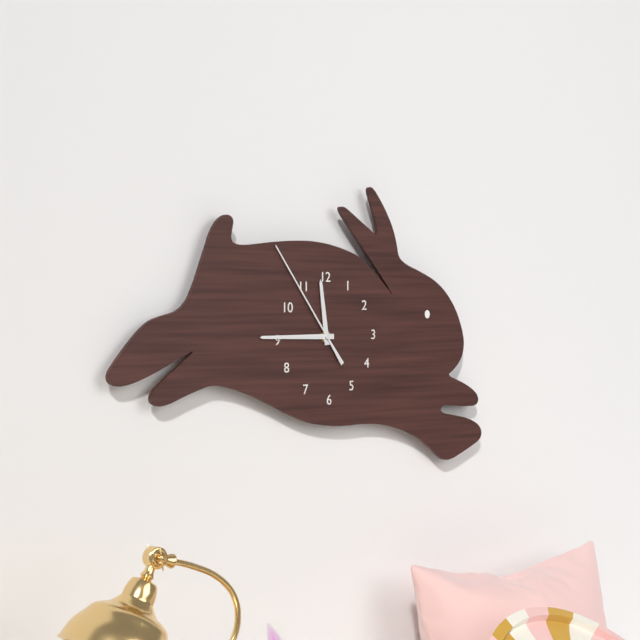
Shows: 11:45:54
